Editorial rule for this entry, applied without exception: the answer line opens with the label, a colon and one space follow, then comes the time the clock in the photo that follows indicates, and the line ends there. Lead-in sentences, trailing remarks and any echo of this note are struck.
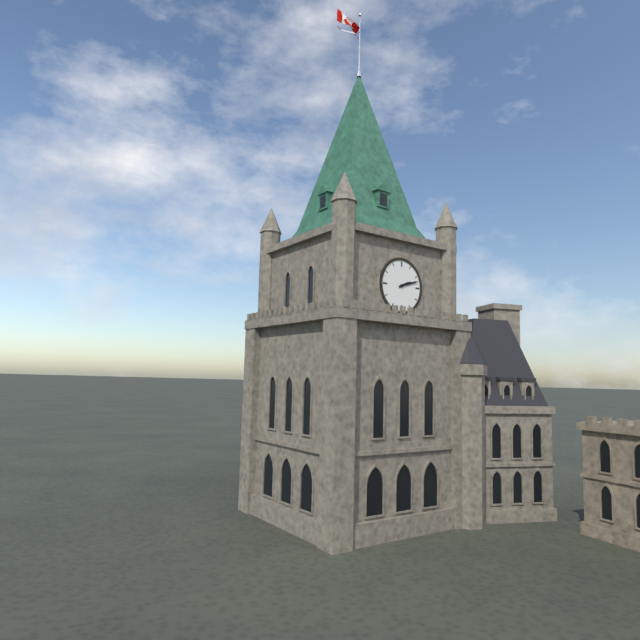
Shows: 2:12
